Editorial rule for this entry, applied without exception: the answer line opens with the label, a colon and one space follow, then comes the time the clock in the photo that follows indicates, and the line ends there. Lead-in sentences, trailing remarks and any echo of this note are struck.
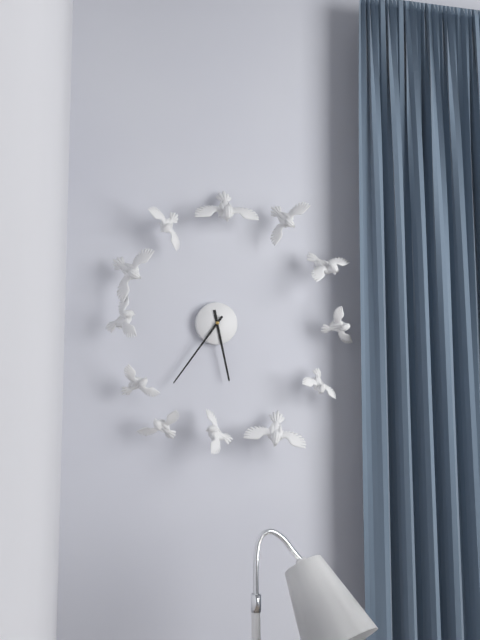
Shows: 5:36
